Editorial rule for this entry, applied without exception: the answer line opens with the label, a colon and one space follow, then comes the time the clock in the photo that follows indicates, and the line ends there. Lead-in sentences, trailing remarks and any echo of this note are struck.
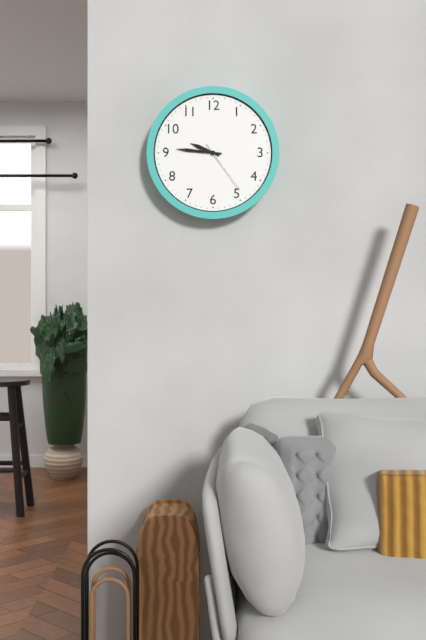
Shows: 9:46:24
